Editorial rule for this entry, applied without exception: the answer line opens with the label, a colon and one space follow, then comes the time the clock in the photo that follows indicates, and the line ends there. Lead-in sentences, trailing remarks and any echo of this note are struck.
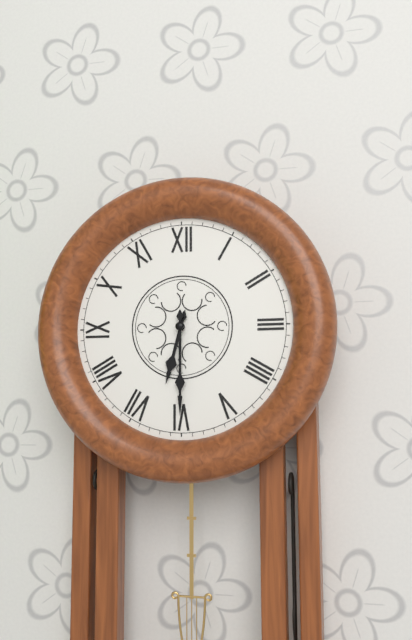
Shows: 6:30
